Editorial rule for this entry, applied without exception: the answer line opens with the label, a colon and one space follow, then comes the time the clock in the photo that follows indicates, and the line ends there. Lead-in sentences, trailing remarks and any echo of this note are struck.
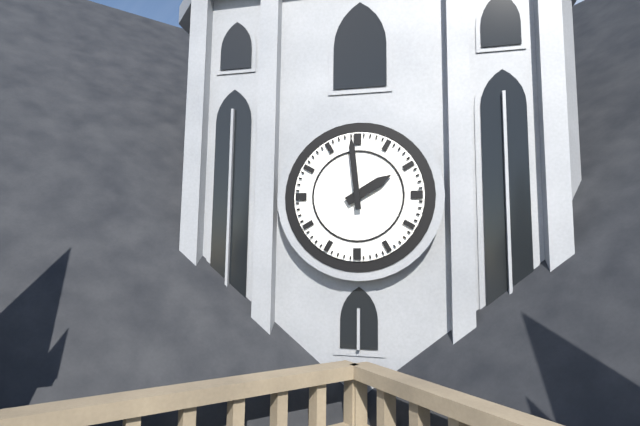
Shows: 1:59
